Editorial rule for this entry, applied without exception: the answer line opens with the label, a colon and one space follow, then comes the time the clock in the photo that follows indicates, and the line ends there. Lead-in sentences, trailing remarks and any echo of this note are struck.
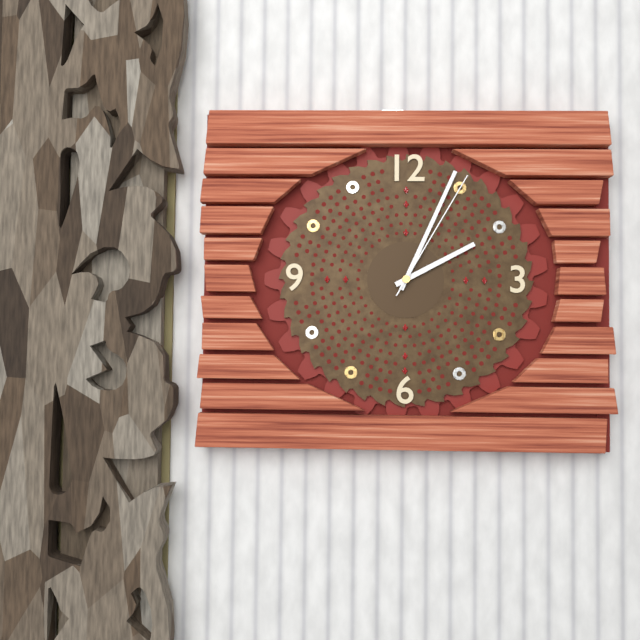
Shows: 2:04:05
